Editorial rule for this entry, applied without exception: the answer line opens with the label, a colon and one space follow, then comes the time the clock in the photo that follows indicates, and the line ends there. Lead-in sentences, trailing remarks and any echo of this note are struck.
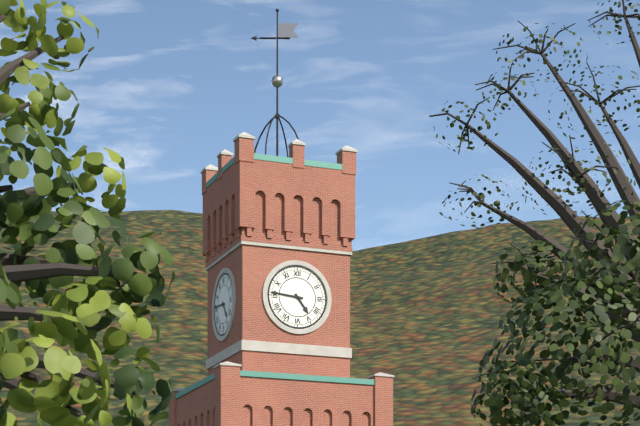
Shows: 4:46
